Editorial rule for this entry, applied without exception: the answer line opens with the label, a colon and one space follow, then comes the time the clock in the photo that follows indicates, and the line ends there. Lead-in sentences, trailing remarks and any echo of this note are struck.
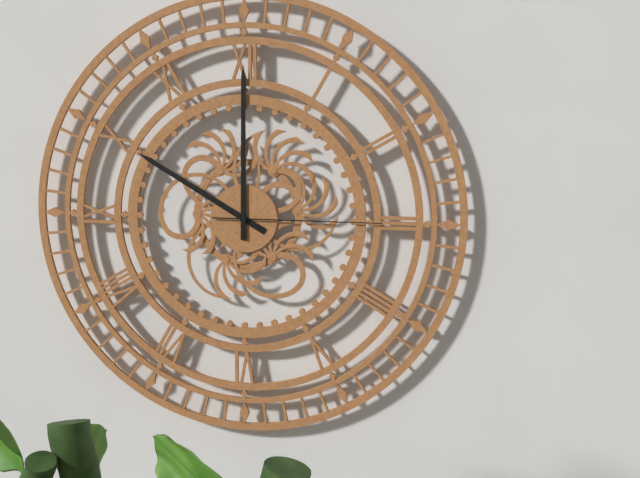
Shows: 10:00:15
